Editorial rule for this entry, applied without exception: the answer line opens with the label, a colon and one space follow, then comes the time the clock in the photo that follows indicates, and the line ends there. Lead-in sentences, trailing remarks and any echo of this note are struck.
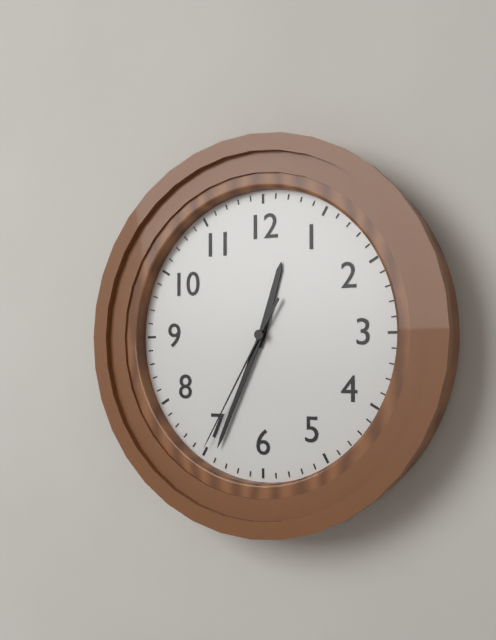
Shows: 12:34:35
